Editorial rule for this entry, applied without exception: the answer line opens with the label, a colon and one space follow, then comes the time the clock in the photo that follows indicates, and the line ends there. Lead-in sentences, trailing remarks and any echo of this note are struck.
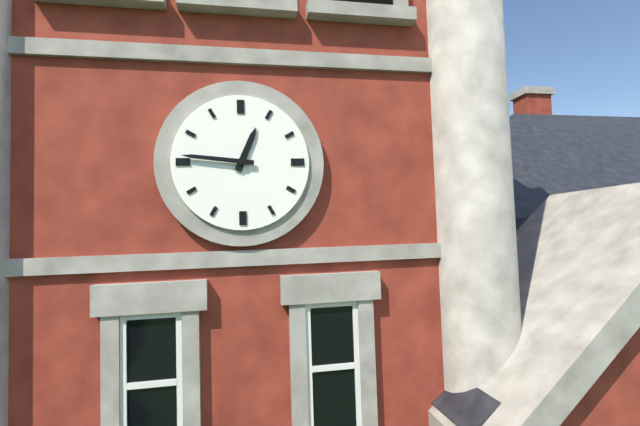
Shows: 12:46
